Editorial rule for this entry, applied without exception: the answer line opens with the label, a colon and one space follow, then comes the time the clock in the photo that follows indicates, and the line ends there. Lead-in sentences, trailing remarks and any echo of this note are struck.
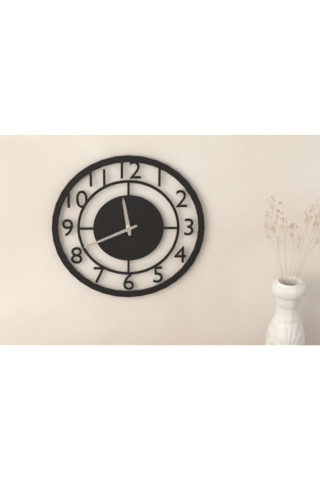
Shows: 11:41
